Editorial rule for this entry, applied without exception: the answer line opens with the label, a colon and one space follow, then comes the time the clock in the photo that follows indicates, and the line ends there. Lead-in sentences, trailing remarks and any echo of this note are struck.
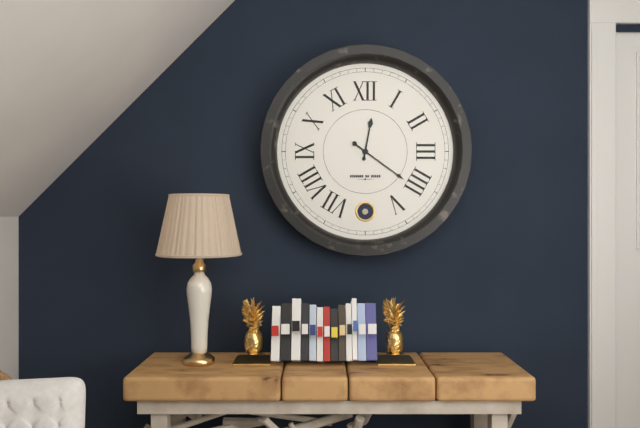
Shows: 12:21
